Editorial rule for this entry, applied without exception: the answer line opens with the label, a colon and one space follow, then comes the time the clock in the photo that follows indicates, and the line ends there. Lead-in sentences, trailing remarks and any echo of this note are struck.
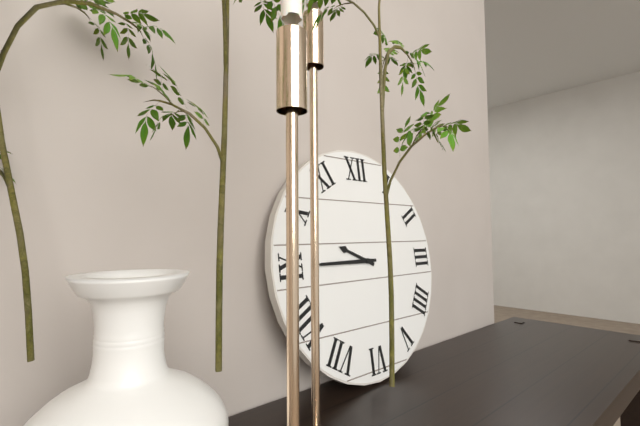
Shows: 9:45
